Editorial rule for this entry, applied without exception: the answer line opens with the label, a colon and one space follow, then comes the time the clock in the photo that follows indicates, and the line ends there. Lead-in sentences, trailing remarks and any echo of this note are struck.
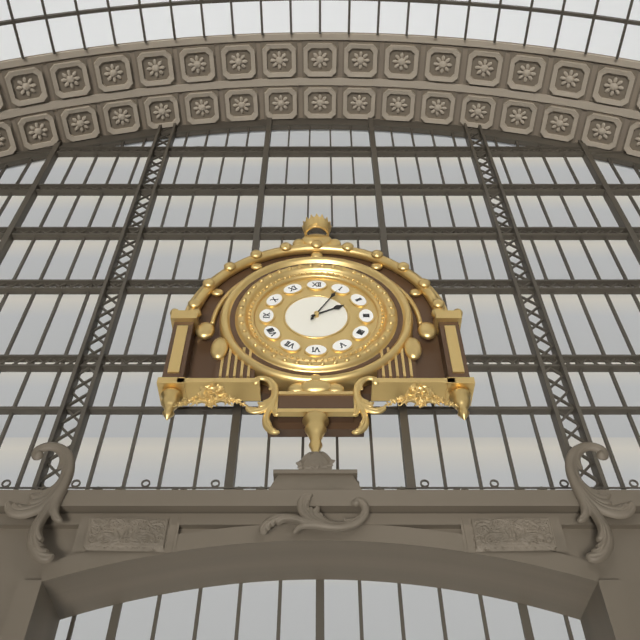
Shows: 2:05
